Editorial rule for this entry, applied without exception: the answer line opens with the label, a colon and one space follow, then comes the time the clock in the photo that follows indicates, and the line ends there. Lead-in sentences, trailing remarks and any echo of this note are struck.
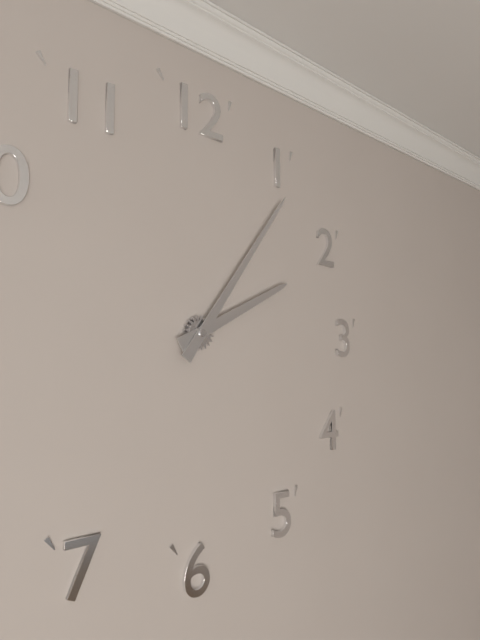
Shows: 2:06
